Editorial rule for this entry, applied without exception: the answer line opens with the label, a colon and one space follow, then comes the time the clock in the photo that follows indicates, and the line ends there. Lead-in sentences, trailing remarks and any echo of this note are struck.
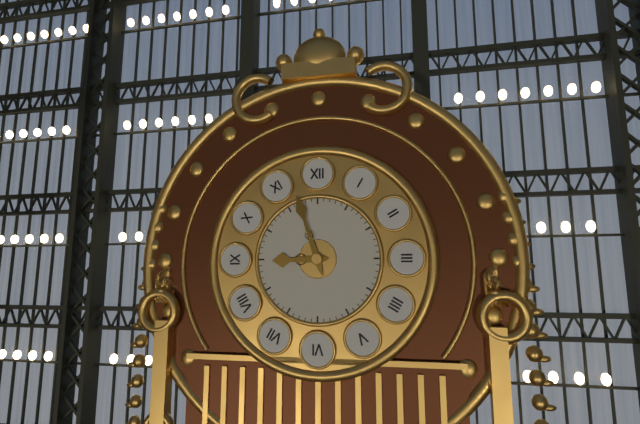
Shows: 8:57
